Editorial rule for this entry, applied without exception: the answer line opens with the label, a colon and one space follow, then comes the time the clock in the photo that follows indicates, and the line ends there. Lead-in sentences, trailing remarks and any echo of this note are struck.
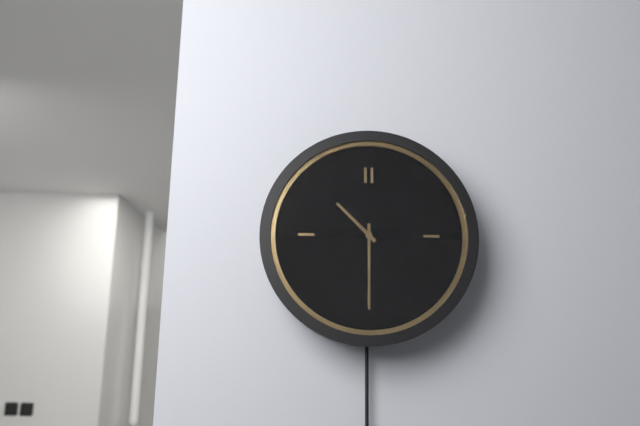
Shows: 10:30
